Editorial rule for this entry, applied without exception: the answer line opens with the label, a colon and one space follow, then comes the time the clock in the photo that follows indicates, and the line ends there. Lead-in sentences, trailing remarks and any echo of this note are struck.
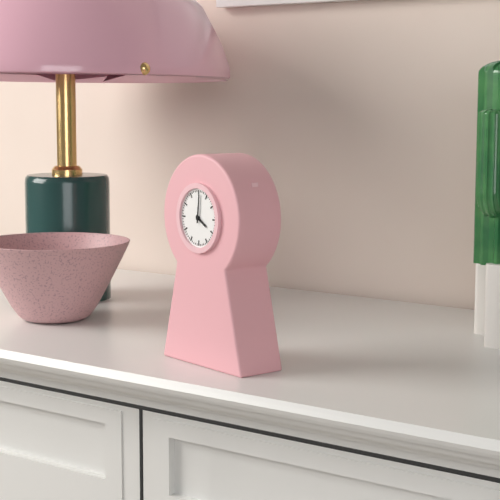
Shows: 4:01
